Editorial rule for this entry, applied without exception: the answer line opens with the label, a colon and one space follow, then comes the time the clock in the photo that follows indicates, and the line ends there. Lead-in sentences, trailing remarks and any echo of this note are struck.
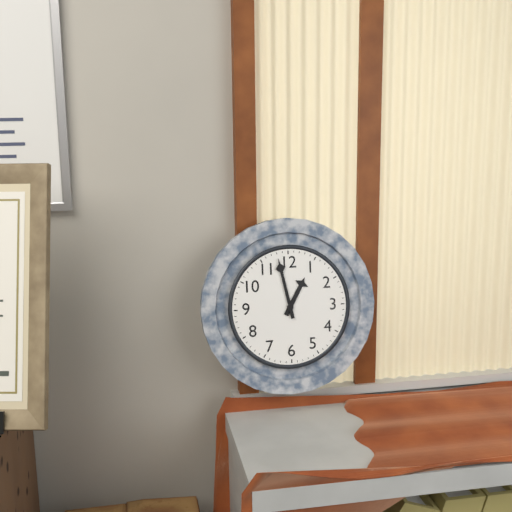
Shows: 12:58
